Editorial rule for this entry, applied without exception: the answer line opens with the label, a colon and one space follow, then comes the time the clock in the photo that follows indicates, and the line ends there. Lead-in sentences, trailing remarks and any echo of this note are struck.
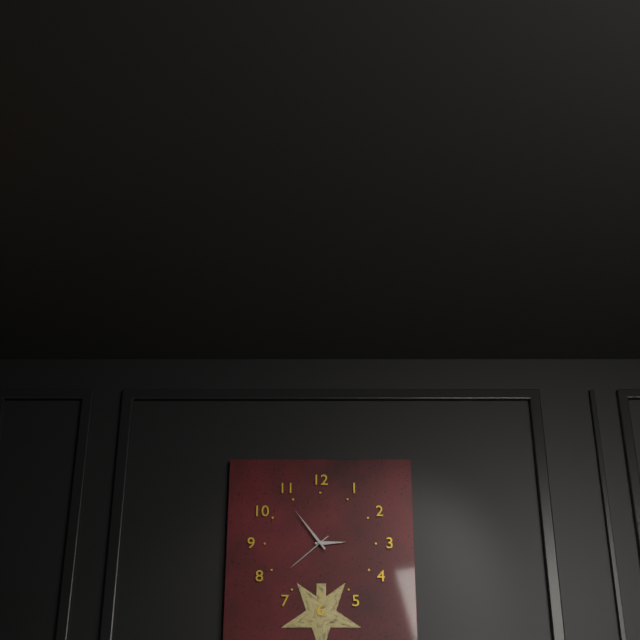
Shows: 2:54
